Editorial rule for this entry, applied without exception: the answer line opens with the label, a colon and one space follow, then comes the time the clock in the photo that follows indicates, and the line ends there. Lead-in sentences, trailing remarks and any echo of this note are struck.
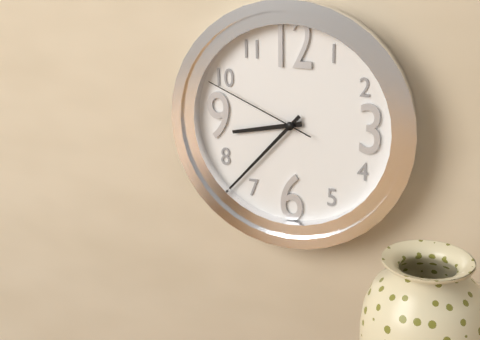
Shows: 8:37:49
